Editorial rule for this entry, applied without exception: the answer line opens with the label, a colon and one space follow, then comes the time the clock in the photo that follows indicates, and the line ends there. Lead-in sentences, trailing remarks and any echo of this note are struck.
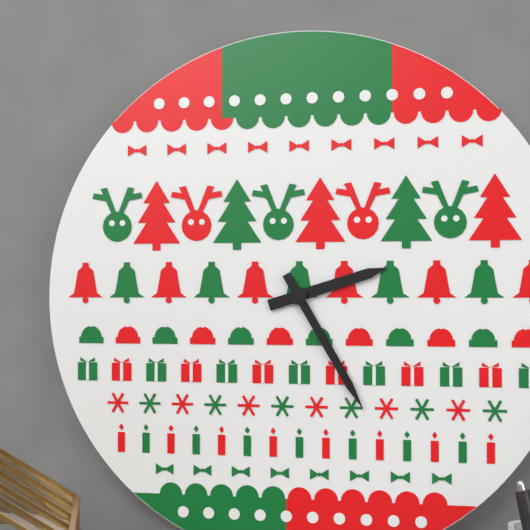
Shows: 2:25
